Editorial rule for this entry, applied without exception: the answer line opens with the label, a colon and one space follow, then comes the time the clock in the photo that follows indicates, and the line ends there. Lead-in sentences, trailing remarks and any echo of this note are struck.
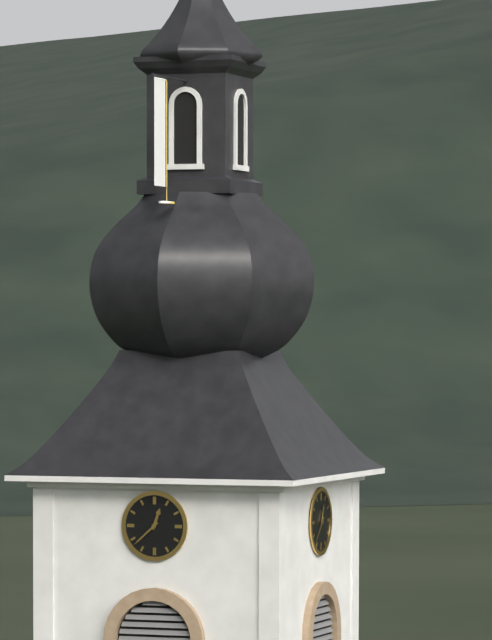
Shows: 12:38
